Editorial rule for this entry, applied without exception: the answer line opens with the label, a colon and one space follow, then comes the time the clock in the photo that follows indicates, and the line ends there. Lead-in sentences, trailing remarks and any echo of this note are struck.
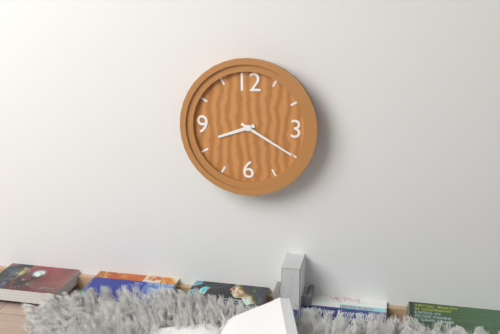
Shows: 8:20
